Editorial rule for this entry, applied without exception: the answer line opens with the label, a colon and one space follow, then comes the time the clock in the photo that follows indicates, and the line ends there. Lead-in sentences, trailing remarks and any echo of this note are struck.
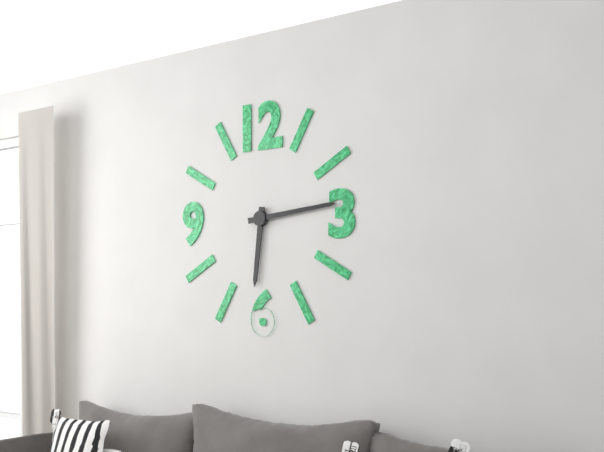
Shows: 6:14
